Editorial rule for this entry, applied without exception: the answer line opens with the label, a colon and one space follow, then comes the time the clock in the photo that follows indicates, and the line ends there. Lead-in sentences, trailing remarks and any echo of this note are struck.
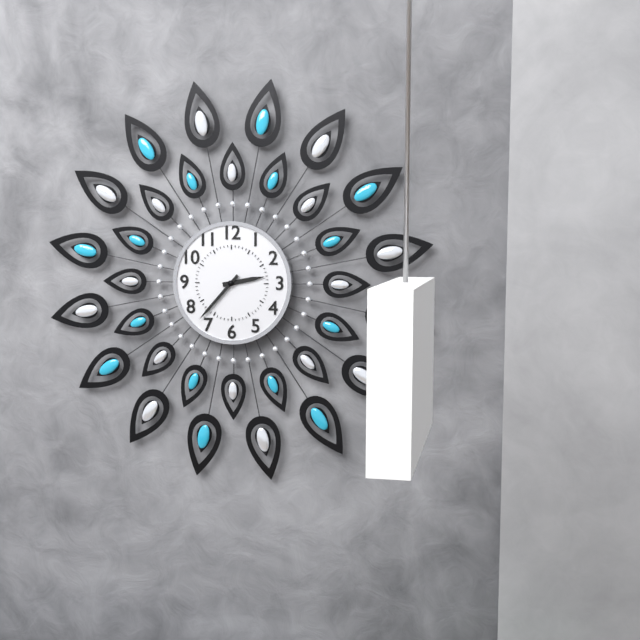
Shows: 2:37
